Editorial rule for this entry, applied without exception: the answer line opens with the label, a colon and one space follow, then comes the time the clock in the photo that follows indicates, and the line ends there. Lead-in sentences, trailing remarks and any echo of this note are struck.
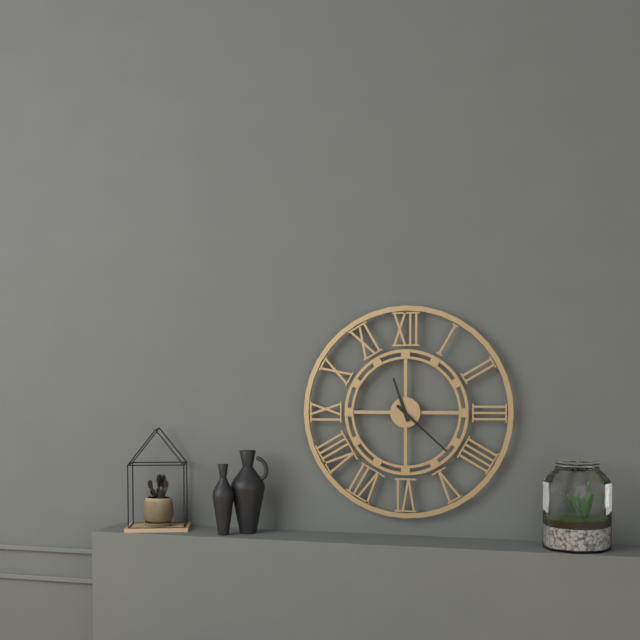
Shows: 11:22
